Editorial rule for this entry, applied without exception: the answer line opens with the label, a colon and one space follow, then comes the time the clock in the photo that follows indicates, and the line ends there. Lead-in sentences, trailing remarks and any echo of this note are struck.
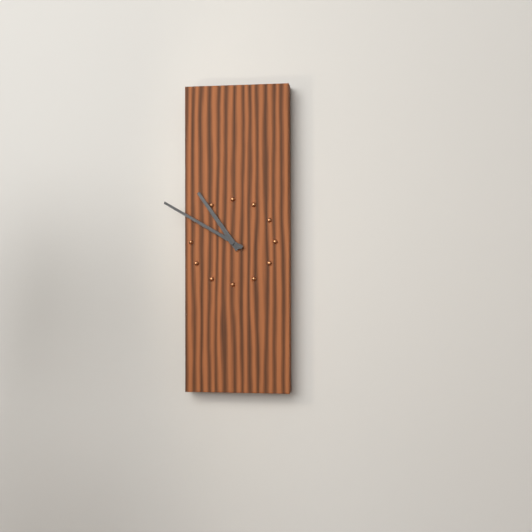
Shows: 10:50
